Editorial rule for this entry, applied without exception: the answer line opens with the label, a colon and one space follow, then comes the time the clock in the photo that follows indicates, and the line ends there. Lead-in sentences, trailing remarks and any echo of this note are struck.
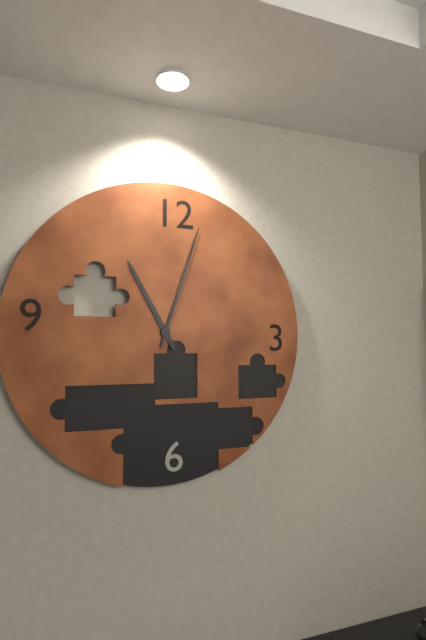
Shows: 11:03
